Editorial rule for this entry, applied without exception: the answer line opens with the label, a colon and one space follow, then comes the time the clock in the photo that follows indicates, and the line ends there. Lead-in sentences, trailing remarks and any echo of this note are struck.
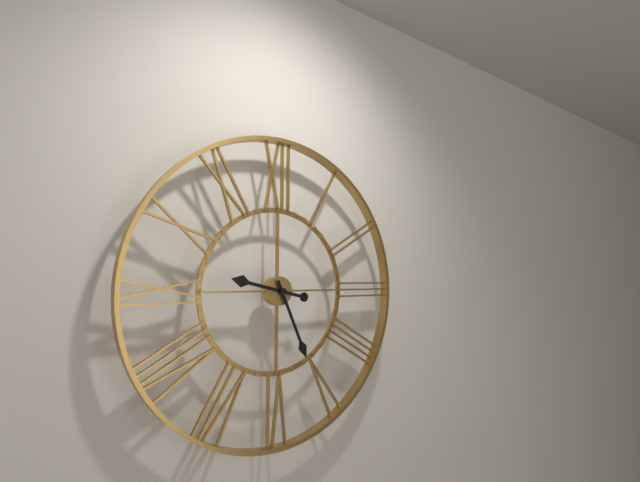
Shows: 9:26
